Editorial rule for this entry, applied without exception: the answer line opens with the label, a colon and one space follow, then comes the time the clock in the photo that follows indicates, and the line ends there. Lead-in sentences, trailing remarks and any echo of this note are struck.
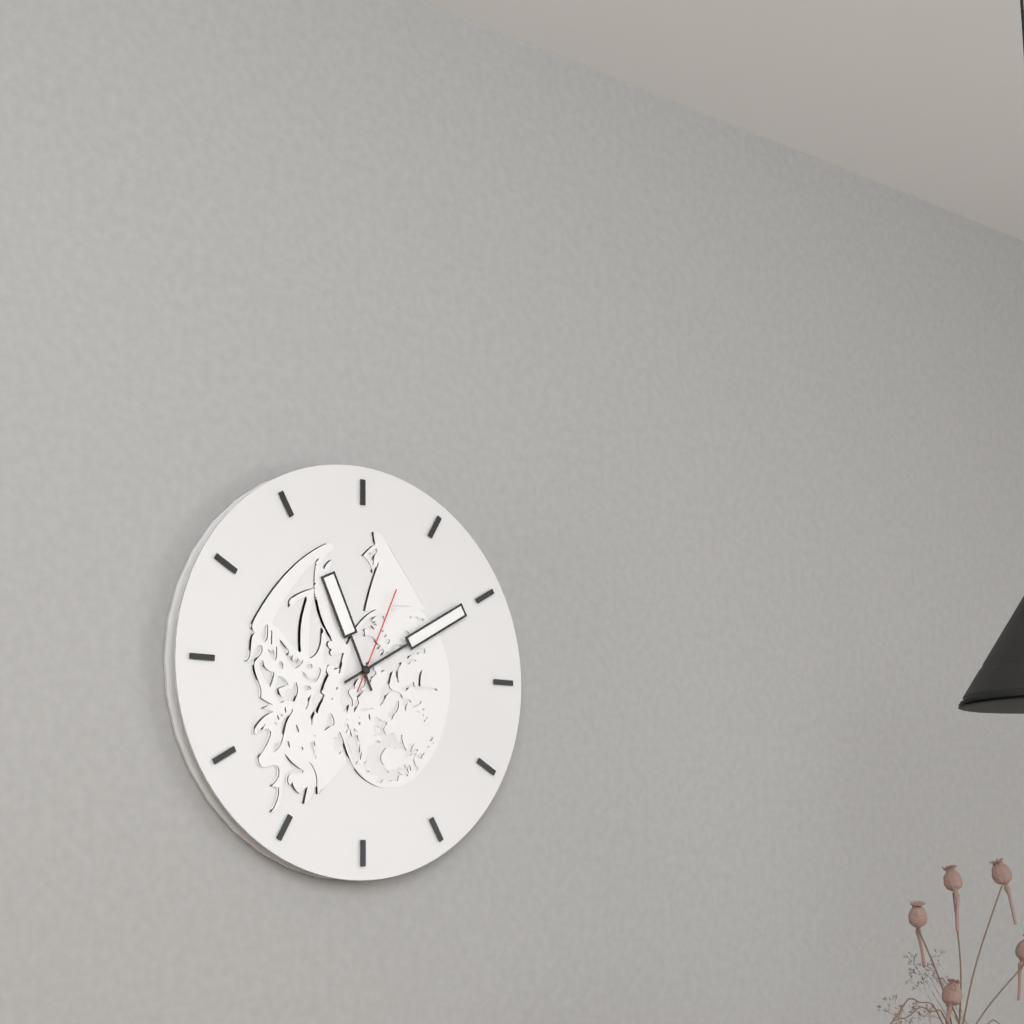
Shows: 11:10:04
